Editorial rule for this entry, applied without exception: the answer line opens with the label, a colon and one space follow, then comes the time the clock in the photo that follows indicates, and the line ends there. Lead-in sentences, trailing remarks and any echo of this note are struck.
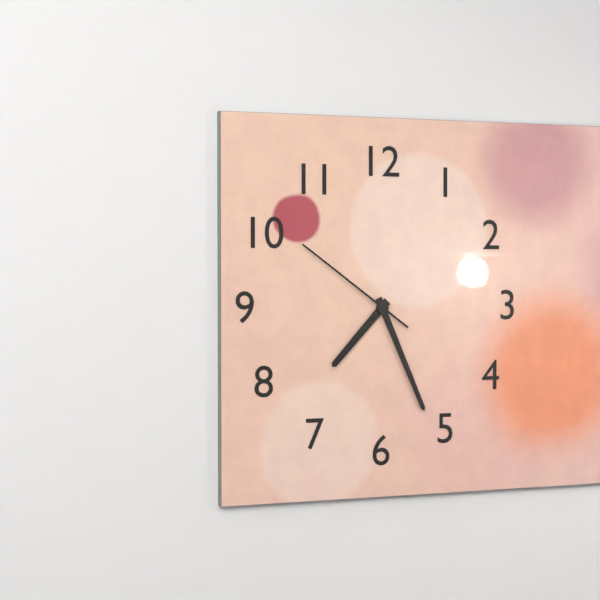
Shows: 7:26:51
